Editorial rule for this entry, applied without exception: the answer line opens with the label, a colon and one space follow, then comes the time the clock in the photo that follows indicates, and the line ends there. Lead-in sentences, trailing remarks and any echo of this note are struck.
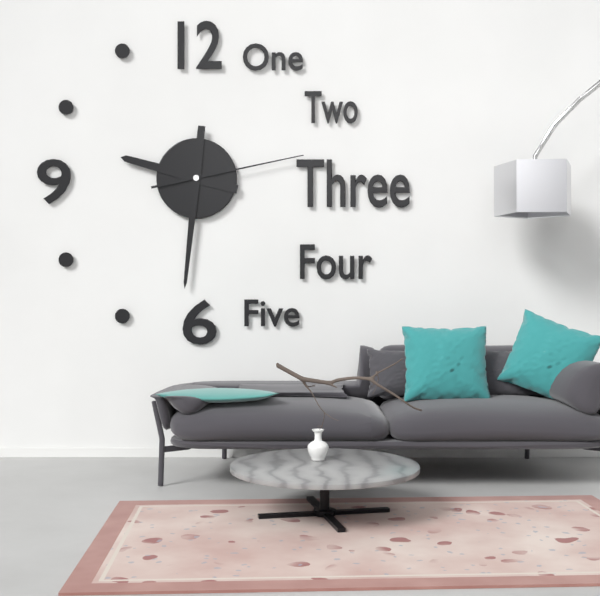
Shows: 9:31:13
